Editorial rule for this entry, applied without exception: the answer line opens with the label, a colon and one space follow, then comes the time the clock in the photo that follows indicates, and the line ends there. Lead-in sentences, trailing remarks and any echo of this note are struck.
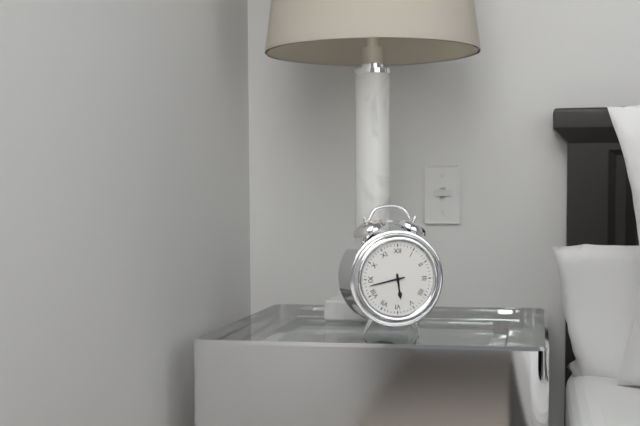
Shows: 5:43
